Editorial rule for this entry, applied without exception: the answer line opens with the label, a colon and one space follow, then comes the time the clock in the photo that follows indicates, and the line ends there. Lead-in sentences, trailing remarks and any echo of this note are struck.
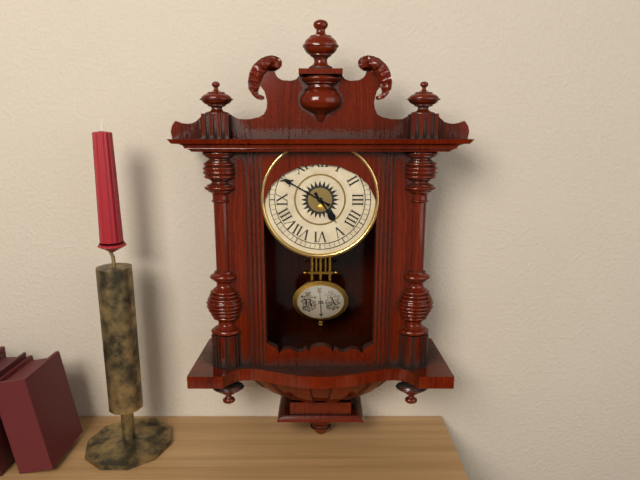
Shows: 4:50
